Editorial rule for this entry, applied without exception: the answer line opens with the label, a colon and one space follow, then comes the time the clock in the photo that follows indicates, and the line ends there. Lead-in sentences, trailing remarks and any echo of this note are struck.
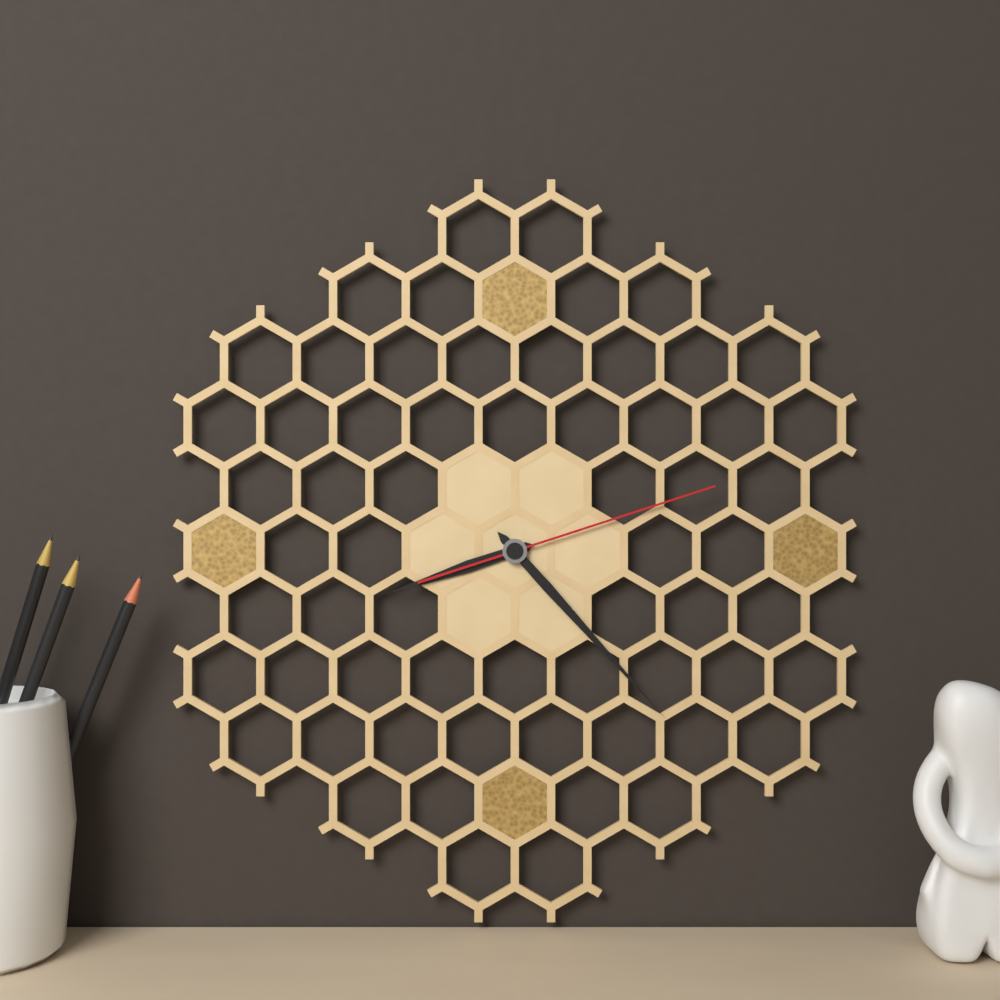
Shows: 8:23:12
